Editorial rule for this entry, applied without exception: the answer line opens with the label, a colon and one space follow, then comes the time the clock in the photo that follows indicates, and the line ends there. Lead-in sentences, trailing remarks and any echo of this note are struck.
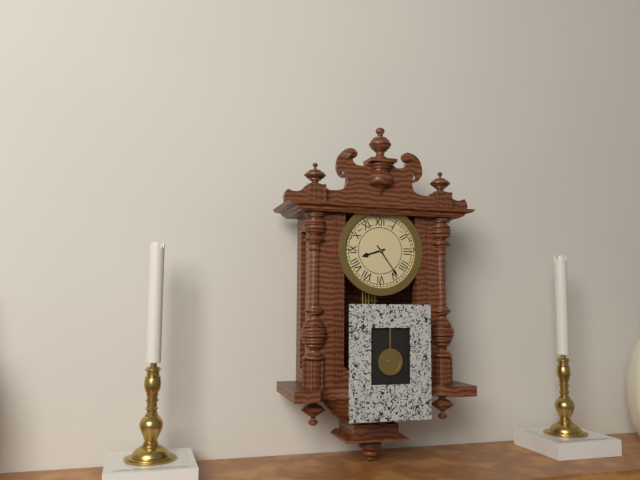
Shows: 8:24
